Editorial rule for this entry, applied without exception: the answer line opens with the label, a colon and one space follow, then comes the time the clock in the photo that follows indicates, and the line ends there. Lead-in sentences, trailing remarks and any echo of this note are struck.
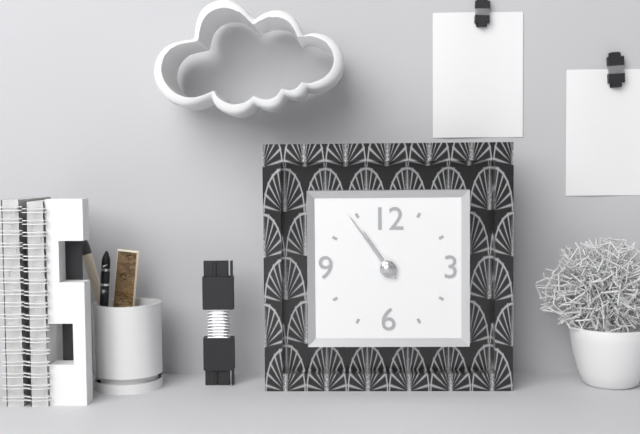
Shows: 10:54
